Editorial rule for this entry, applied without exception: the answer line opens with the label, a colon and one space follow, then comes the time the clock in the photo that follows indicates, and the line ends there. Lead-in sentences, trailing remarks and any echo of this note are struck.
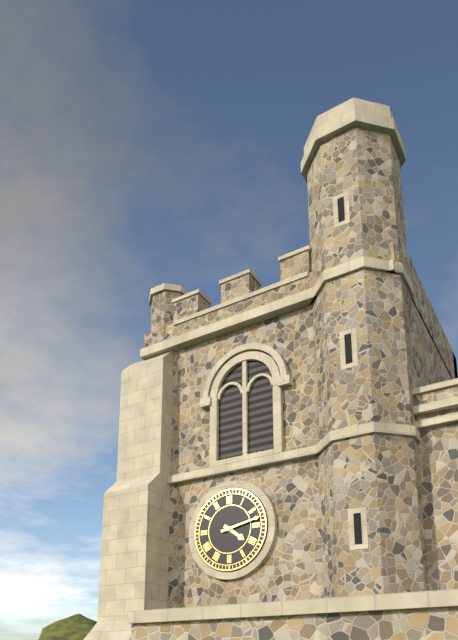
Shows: 4:13
